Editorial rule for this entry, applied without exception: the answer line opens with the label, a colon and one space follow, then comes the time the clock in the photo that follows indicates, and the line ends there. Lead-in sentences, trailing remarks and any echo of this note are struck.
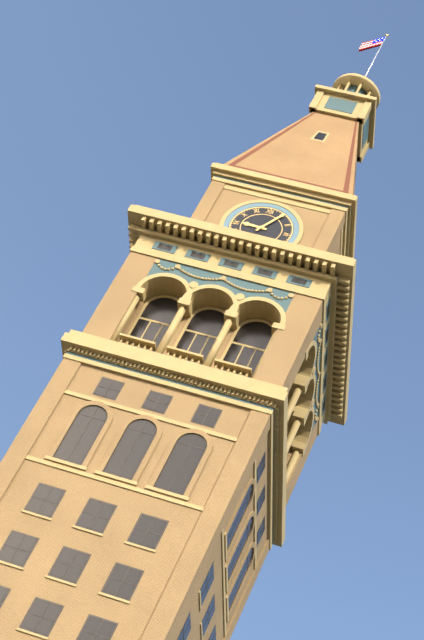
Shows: 9:05
